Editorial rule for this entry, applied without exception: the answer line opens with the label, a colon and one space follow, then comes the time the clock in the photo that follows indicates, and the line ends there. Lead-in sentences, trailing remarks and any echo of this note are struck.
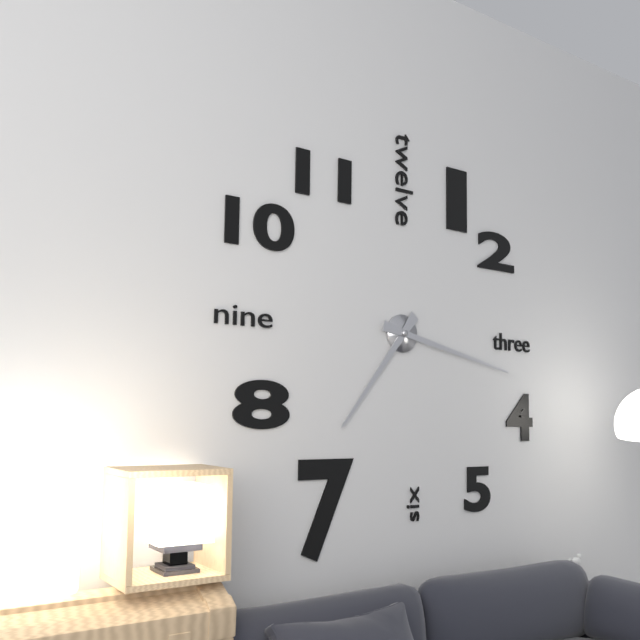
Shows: 7:17
